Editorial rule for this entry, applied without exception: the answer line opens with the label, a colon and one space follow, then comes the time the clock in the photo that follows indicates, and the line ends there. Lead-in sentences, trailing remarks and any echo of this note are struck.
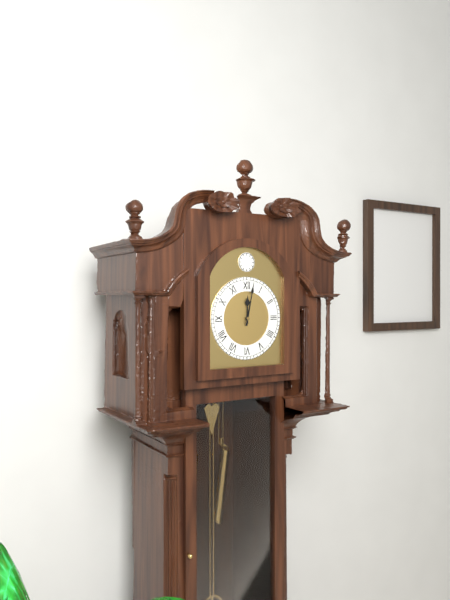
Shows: 12:02
